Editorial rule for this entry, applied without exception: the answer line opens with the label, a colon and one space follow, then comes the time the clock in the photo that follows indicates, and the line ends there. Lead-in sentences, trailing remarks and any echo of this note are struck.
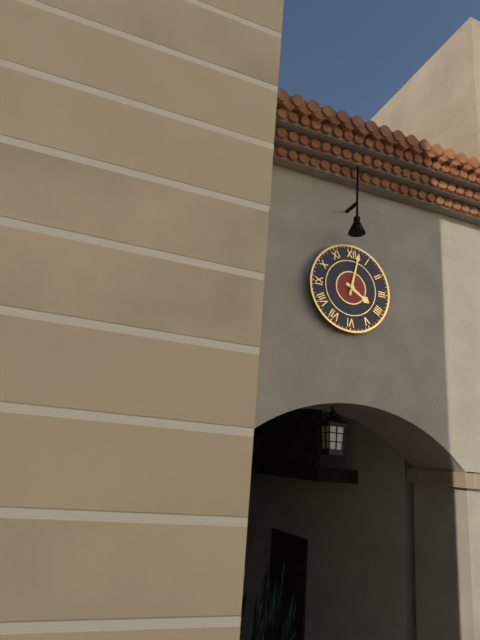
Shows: 4:02
